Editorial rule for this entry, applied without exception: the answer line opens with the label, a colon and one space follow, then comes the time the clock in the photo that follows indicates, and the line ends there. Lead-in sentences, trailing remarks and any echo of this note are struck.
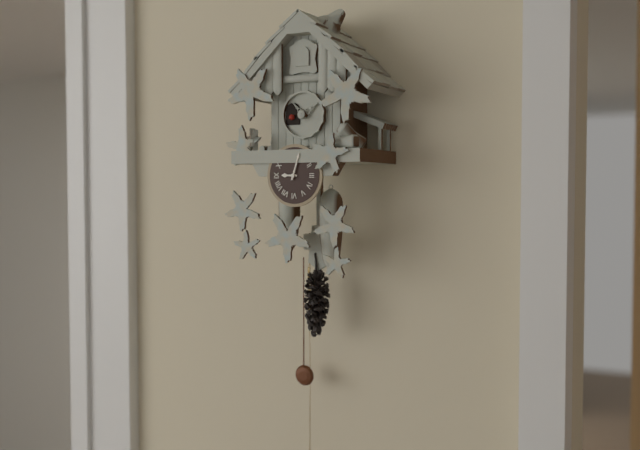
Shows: 9:03
